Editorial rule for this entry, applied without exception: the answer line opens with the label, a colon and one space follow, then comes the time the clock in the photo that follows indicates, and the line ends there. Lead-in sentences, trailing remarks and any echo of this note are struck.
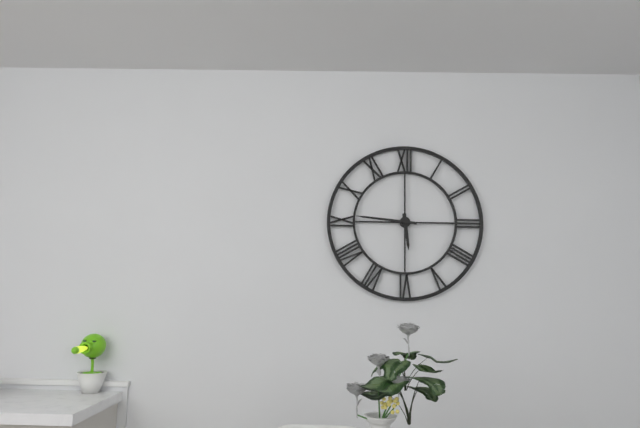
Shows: 5:46
